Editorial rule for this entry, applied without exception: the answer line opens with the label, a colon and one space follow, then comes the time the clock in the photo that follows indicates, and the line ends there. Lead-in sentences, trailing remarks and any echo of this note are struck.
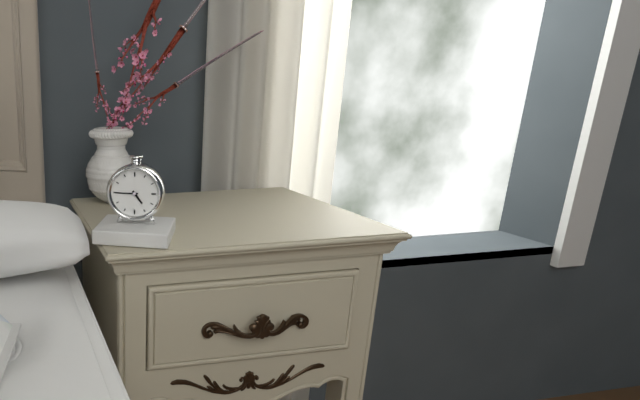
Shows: 4:45
